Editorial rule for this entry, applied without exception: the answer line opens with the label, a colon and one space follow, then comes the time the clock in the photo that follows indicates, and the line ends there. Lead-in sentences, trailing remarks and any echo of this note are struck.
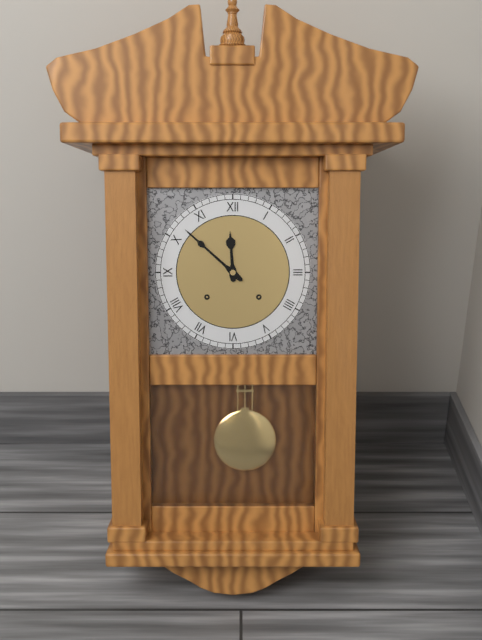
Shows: 11:52
